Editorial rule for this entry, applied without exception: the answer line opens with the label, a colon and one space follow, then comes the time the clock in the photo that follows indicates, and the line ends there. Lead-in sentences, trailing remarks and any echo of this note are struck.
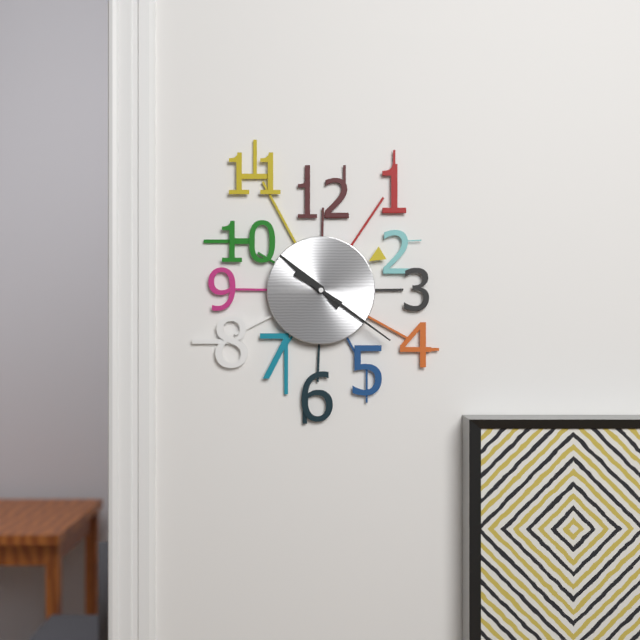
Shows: 10:21
